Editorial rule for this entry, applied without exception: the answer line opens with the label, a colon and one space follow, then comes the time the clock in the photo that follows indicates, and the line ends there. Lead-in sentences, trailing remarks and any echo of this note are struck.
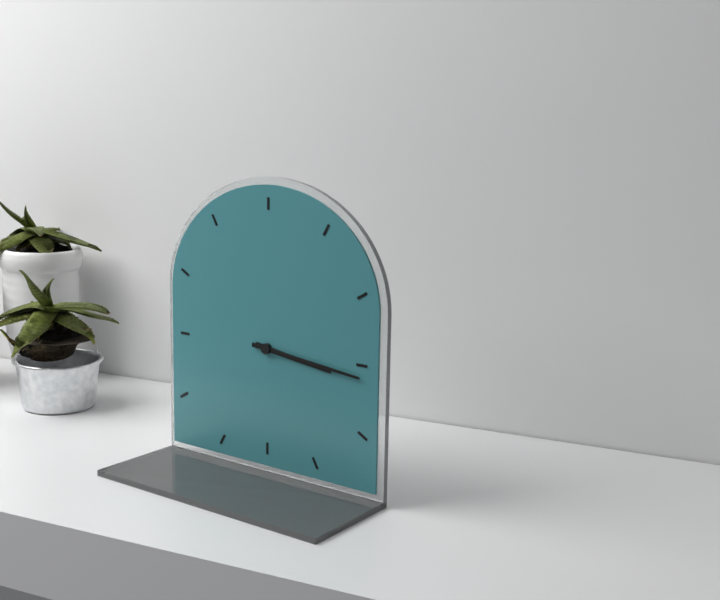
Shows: 3:16
